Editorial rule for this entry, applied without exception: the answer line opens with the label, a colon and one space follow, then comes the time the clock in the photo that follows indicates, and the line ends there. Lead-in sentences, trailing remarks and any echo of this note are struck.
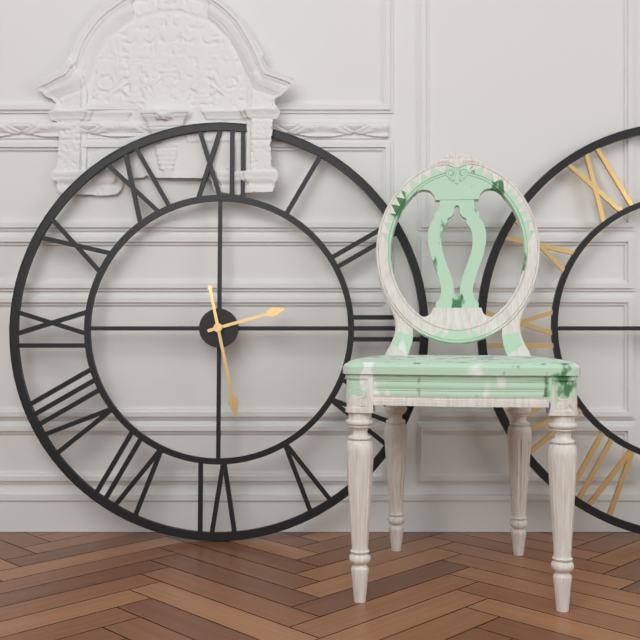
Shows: 2:28
